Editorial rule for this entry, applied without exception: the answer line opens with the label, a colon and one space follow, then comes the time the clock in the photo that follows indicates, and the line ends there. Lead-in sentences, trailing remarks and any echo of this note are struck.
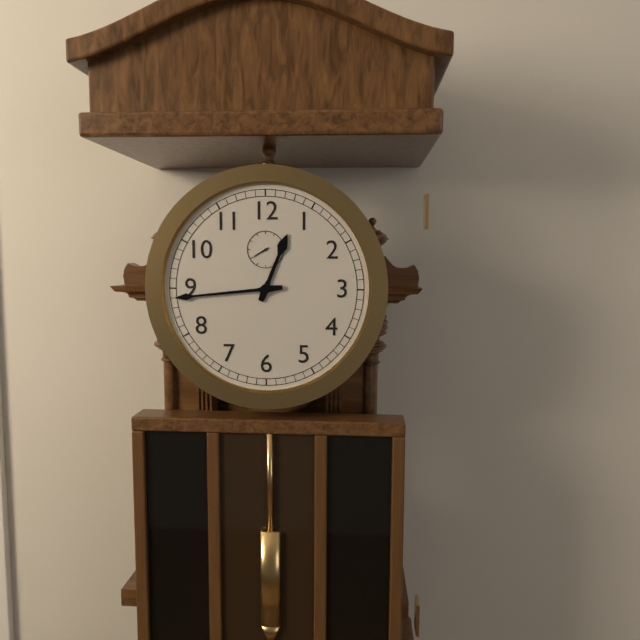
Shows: 12:44
